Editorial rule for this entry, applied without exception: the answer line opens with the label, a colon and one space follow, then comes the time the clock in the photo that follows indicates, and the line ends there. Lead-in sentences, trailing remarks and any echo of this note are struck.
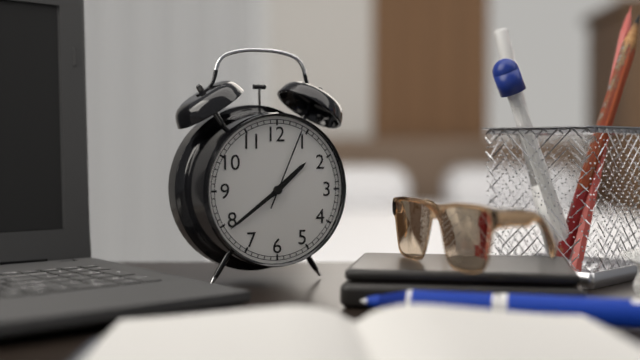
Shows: 1:39:04
